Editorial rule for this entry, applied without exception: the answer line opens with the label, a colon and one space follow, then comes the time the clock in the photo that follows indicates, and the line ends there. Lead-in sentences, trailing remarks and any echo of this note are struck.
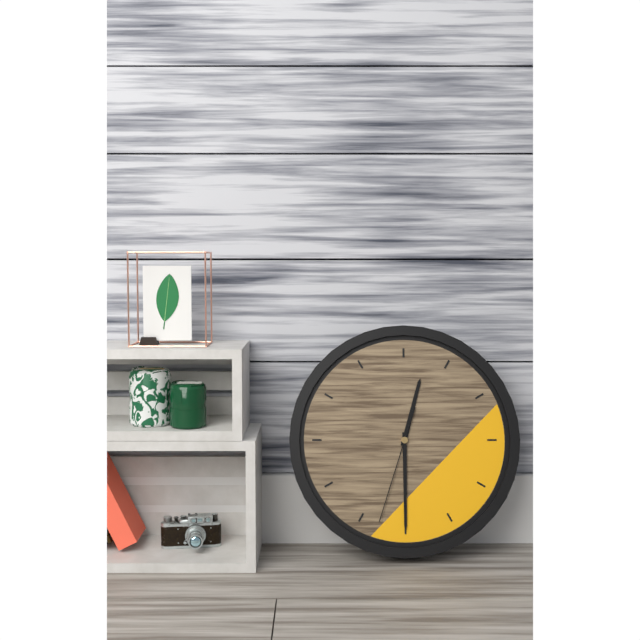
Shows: 12:30:33
